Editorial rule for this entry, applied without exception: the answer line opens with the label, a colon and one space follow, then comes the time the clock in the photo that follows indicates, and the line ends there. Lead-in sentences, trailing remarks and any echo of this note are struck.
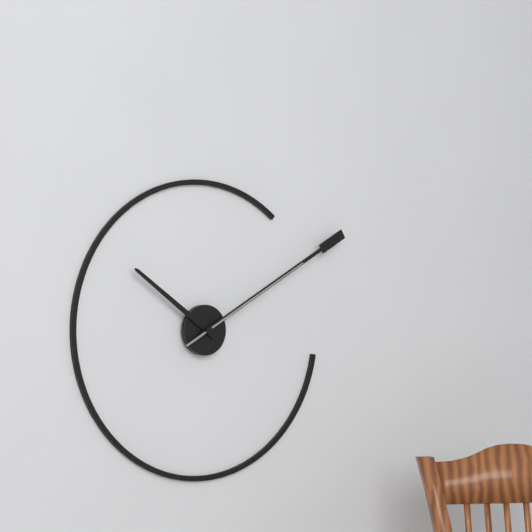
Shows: 10:10:10
